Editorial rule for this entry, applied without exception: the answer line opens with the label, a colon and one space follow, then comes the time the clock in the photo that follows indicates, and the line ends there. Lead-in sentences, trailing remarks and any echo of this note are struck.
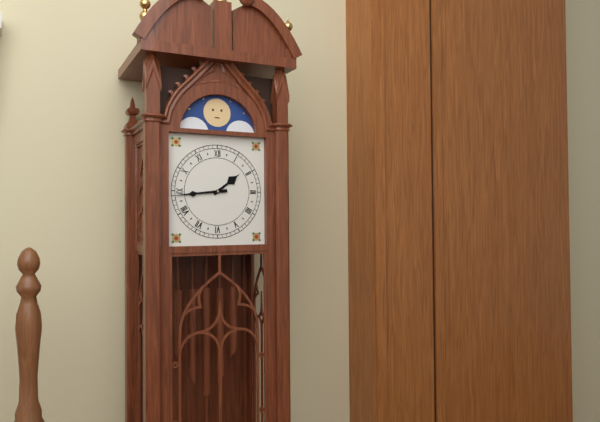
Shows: 1:44
